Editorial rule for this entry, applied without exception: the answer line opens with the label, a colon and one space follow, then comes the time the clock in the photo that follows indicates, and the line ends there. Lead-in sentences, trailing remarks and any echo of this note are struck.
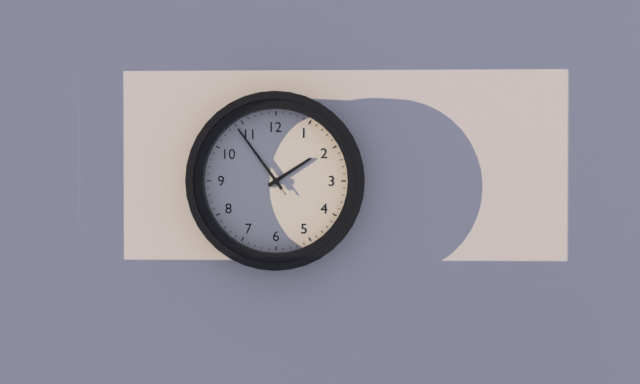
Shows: 1:54:54
